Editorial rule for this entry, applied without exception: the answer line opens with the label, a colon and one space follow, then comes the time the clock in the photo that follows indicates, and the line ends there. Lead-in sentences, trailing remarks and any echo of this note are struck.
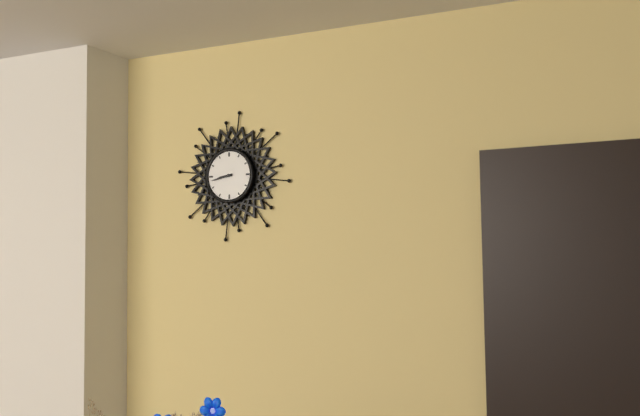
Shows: 8:43
